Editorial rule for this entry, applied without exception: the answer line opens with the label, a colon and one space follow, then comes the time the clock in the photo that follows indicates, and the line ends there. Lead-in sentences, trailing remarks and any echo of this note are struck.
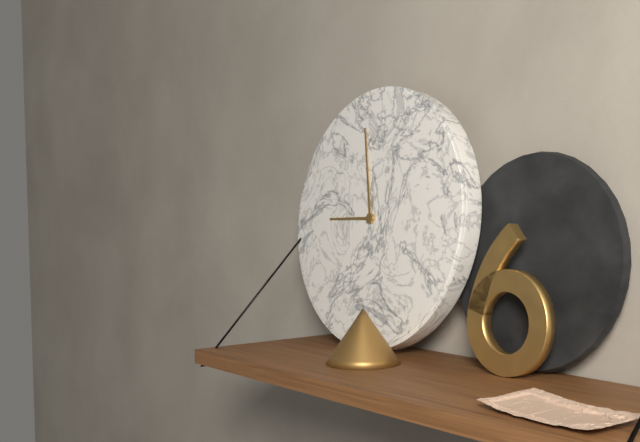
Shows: 8:58
